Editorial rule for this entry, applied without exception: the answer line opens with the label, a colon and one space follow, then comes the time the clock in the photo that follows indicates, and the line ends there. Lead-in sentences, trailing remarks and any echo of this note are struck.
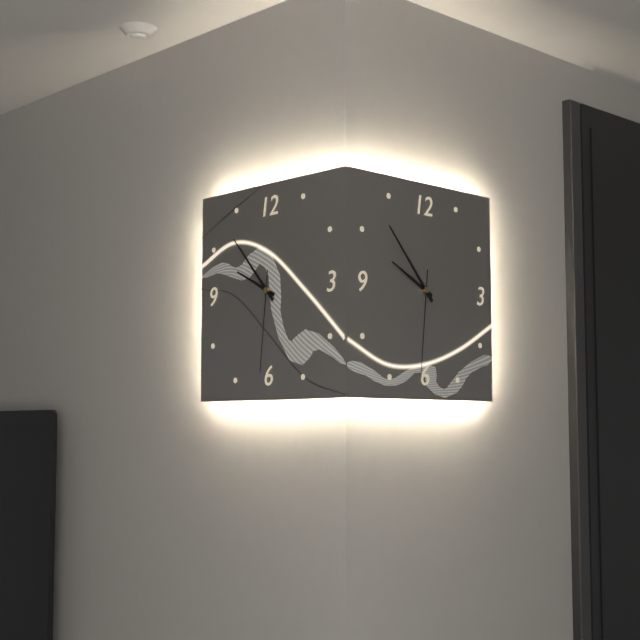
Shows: 9:53:31
